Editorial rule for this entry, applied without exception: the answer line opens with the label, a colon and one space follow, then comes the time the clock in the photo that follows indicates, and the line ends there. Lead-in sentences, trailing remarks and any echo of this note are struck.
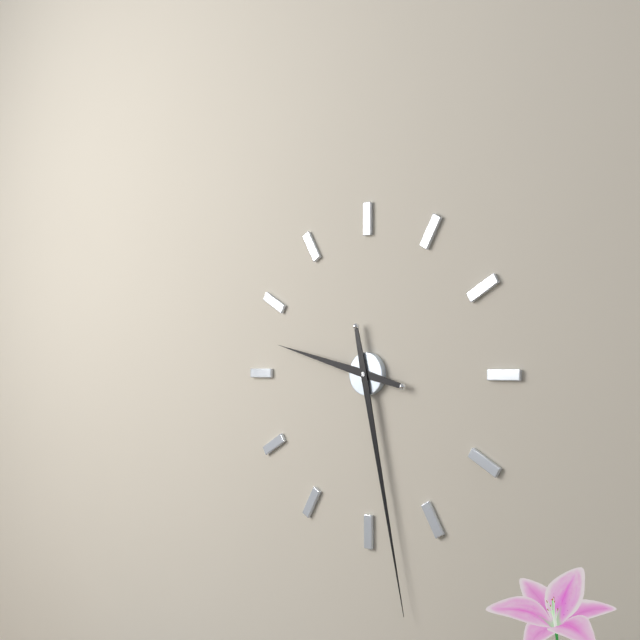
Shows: 9:28
